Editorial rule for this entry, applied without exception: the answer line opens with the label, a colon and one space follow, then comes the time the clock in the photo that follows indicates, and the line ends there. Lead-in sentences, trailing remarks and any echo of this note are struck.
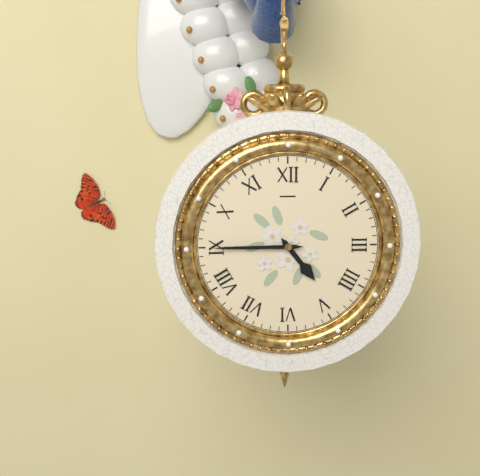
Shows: 4:45
